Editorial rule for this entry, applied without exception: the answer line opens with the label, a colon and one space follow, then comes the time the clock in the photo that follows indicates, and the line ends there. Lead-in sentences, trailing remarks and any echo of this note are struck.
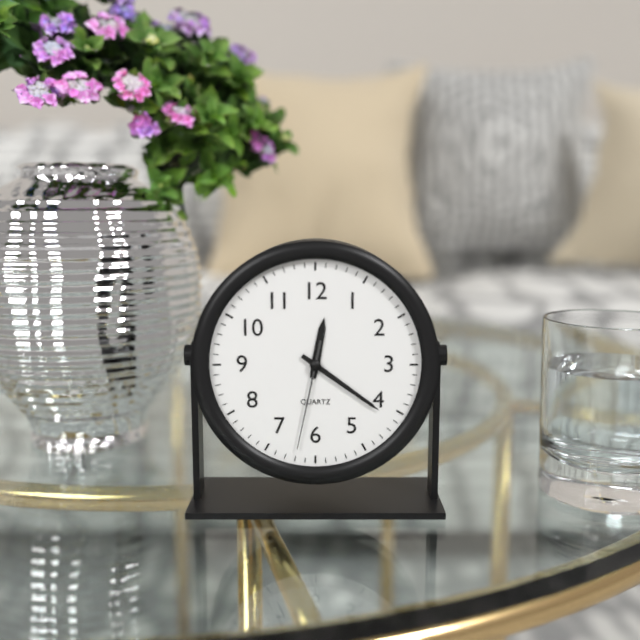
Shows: 12:21:32
